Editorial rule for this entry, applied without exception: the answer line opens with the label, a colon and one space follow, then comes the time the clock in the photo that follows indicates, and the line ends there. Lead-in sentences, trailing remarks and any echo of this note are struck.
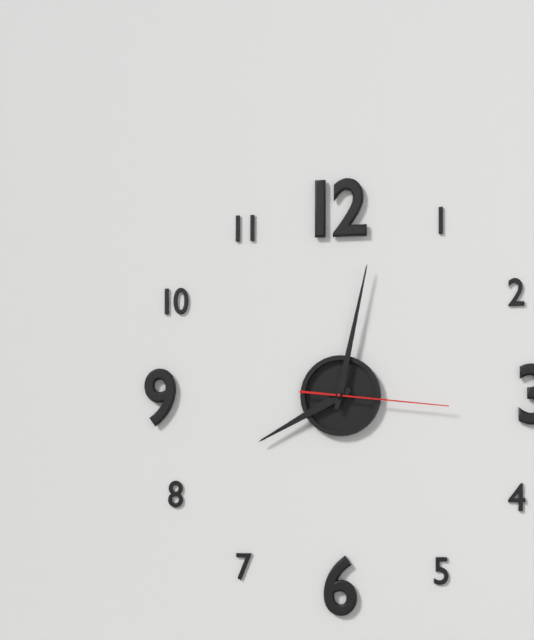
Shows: 8:02:16
